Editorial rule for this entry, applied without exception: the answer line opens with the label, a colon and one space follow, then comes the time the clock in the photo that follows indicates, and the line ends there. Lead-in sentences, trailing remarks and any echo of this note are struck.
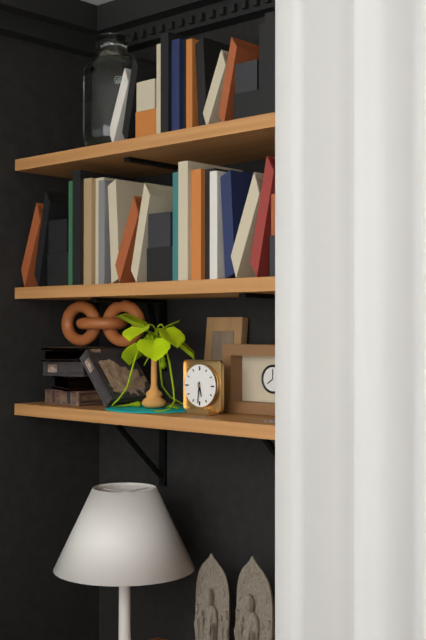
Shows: 5:31
